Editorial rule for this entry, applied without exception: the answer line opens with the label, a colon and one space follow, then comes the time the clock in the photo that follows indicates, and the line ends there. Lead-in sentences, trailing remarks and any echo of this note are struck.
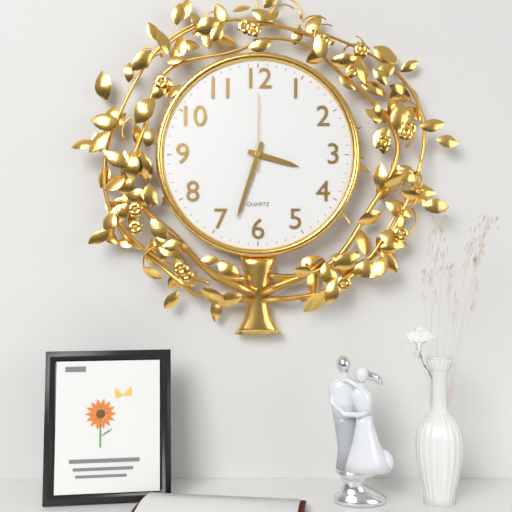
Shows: 3:33:00
